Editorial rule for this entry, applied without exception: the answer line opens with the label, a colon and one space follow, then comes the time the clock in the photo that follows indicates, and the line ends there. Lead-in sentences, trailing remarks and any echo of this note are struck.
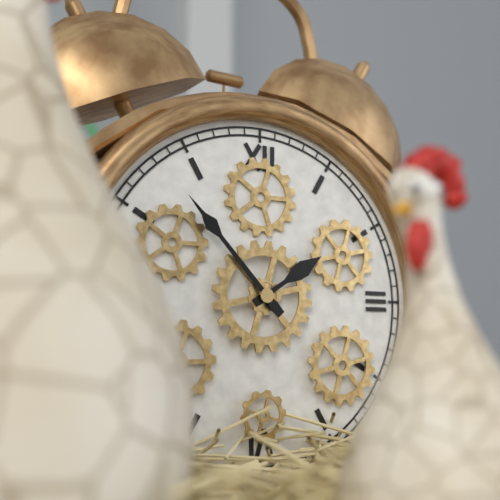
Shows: 1:53
